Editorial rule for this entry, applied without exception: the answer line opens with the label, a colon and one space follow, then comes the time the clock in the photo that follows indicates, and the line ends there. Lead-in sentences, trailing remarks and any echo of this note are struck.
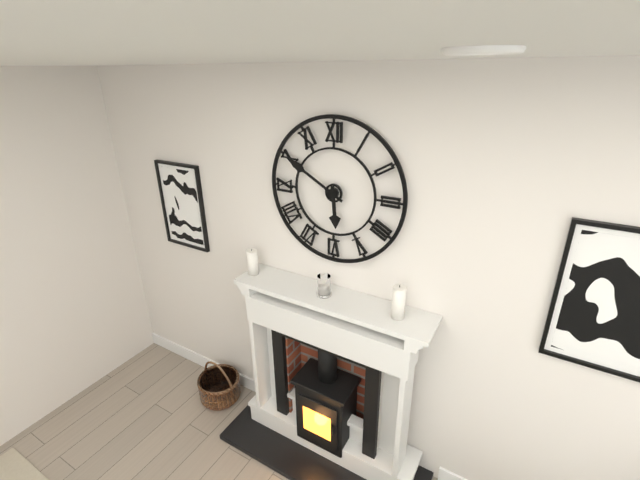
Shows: 5:50
